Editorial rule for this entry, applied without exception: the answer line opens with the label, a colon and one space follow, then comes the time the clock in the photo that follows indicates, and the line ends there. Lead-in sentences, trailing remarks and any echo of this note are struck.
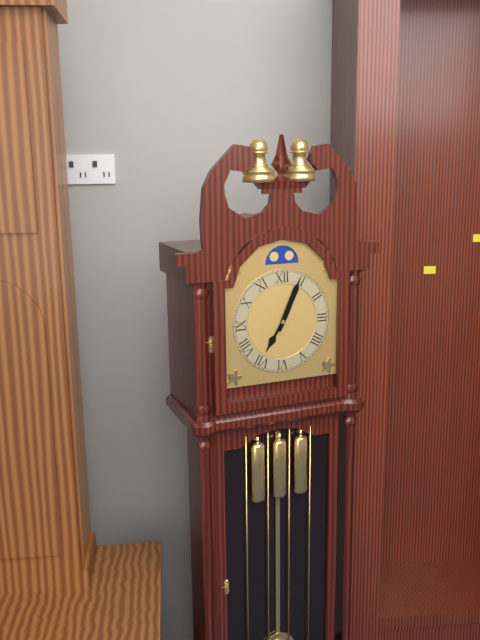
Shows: 7:04
